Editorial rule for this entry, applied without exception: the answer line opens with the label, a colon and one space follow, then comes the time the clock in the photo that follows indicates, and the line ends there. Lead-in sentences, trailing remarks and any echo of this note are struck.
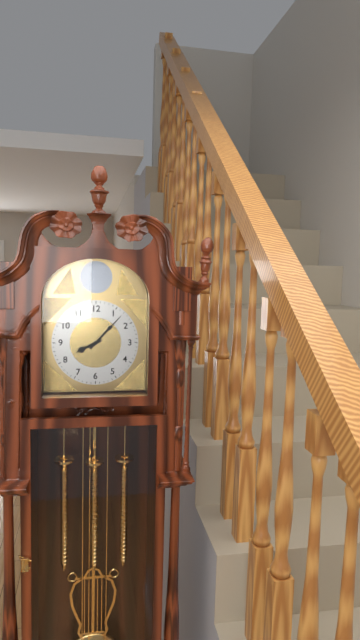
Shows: 8:07
